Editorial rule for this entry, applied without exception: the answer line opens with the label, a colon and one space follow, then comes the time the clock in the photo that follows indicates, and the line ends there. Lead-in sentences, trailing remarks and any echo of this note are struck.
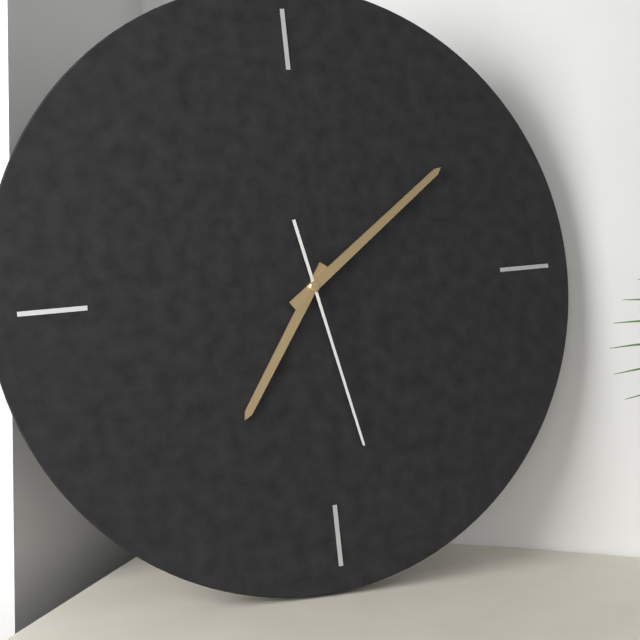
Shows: 7:09:28
